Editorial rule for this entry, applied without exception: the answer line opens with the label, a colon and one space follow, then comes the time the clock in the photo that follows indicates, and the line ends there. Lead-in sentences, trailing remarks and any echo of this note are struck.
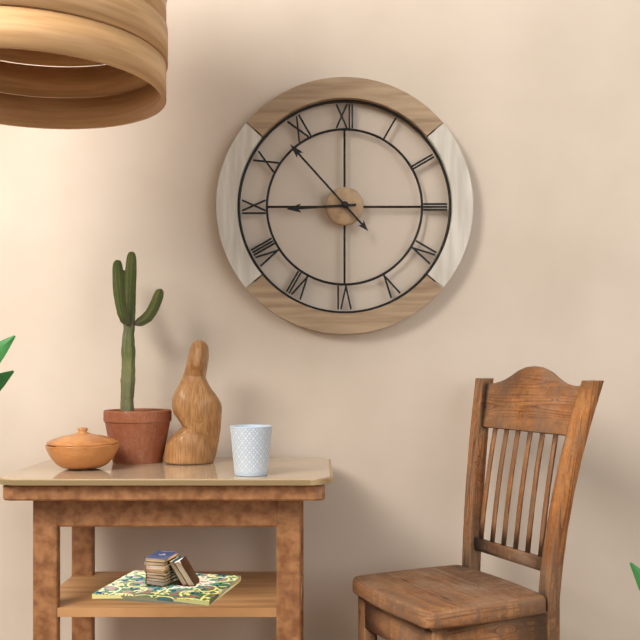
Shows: 8:53
